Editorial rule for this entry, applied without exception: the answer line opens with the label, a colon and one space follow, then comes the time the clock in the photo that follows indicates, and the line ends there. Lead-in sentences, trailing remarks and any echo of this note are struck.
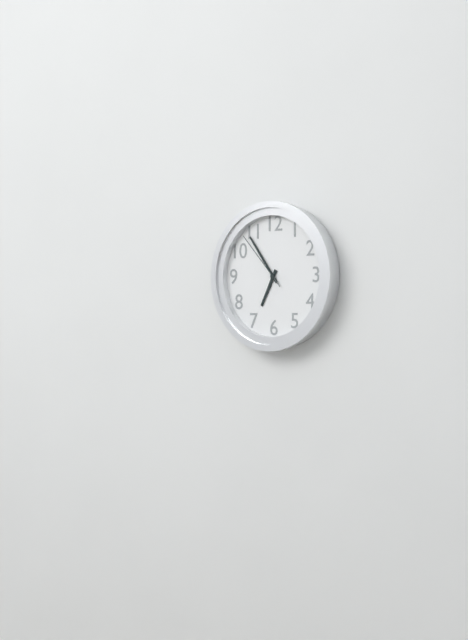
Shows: 6:54:53
